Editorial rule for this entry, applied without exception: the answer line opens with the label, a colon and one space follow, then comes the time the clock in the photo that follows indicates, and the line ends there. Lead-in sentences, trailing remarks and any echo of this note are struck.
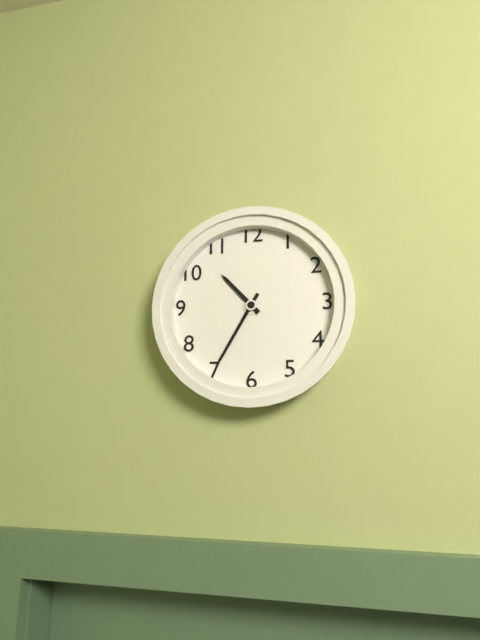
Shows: 10:35
